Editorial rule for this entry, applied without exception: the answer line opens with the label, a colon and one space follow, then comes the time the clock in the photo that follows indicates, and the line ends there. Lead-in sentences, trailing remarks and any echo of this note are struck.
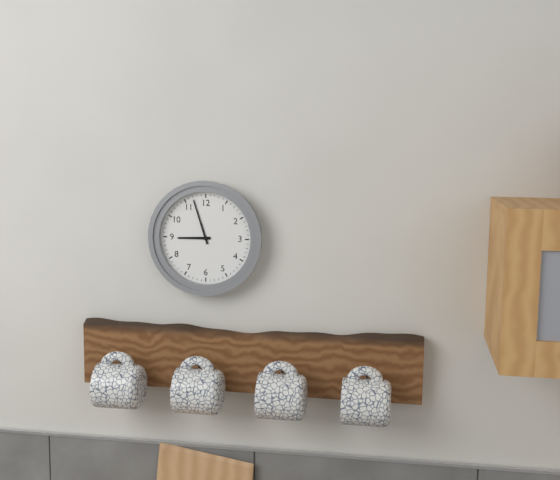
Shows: 8:57
